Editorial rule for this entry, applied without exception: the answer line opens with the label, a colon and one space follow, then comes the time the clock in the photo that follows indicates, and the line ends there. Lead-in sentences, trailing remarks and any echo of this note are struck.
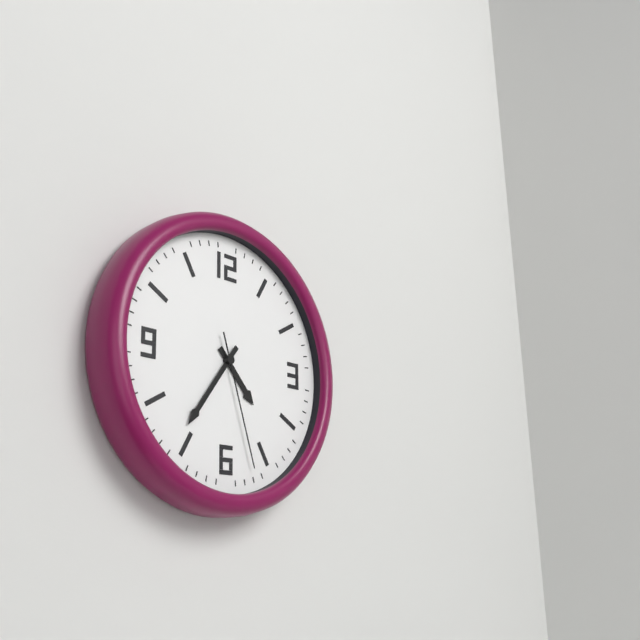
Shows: 4:36:27
